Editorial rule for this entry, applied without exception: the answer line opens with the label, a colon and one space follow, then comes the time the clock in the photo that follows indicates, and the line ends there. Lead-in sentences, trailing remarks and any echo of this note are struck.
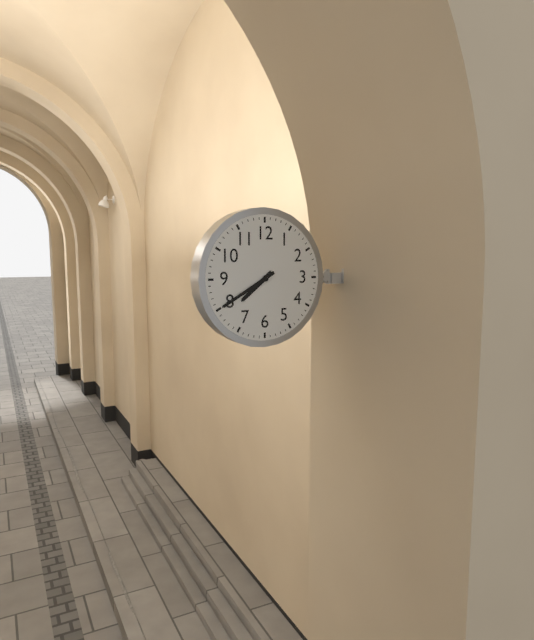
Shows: 7:40
